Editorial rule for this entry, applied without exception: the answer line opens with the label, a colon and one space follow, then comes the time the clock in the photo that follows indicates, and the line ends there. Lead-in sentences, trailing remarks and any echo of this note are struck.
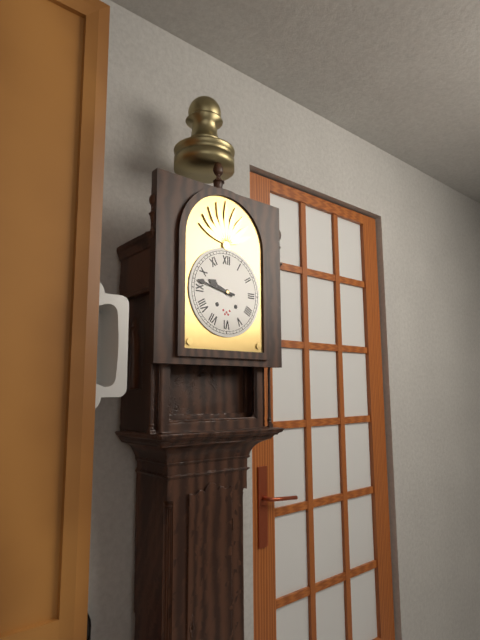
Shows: 9:47
